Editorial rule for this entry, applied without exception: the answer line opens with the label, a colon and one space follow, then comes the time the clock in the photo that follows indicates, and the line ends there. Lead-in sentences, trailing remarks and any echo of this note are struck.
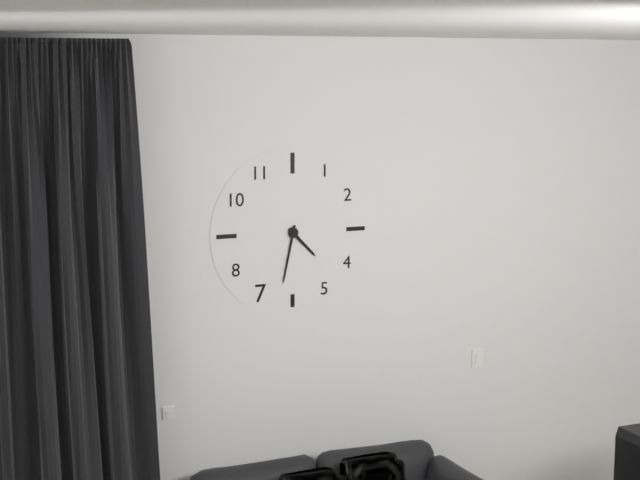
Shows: 4:32
